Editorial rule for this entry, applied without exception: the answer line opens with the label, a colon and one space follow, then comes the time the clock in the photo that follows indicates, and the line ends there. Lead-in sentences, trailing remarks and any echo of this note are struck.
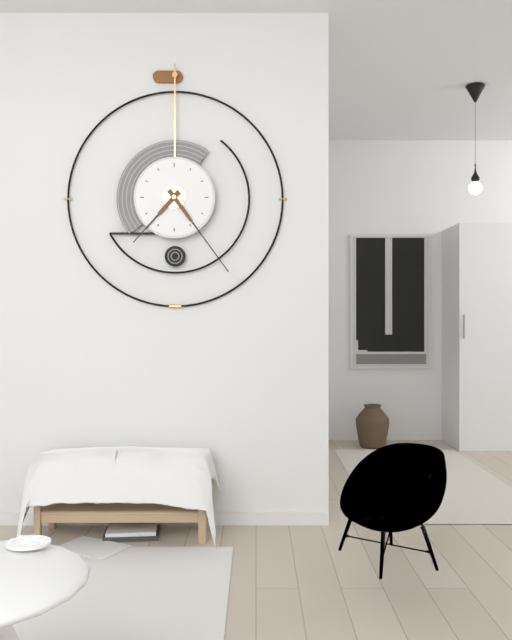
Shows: 7:24
